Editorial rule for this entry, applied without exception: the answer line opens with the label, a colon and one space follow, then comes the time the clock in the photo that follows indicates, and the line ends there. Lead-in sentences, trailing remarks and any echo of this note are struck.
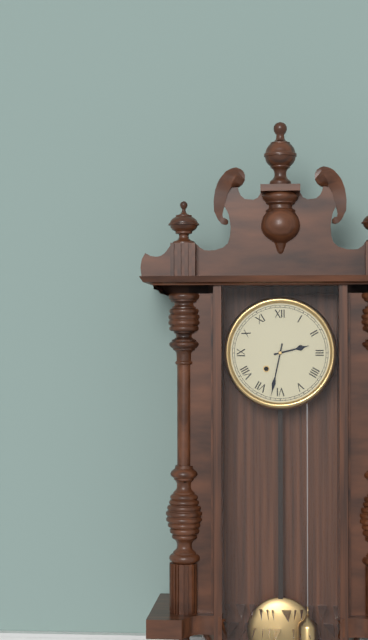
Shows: 2:32
